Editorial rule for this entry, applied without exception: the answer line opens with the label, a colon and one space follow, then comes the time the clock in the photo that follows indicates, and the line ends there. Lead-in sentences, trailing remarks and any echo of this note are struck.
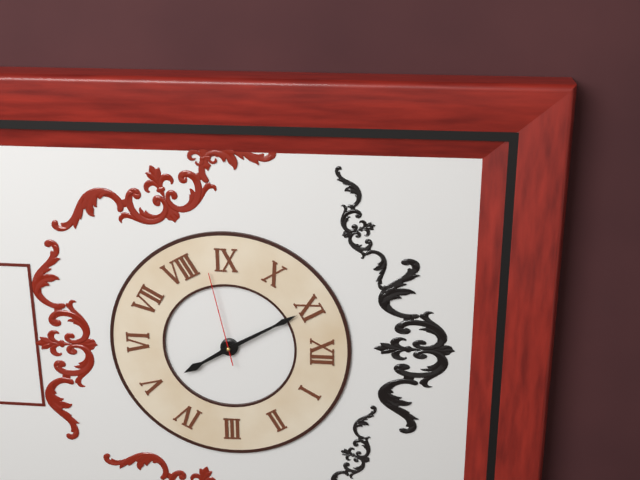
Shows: 4:55:43
